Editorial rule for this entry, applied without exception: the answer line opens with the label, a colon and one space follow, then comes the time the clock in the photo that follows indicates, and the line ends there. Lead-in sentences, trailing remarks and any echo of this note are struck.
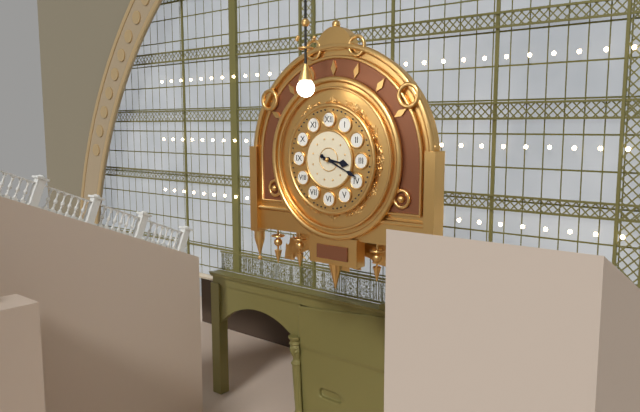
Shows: 3:19
